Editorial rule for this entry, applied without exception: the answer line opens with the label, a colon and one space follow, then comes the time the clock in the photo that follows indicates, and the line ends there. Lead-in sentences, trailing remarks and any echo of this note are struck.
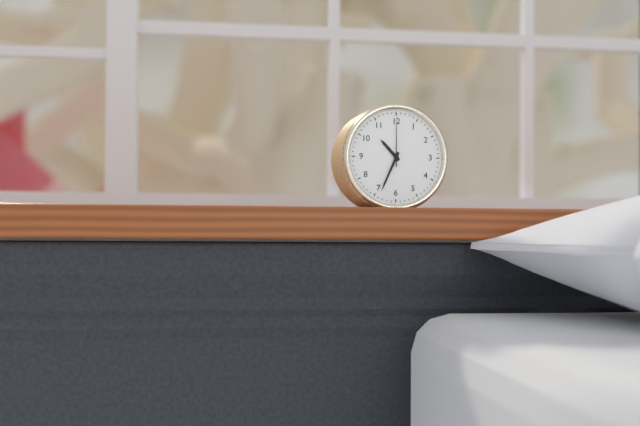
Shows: 10:34:00
